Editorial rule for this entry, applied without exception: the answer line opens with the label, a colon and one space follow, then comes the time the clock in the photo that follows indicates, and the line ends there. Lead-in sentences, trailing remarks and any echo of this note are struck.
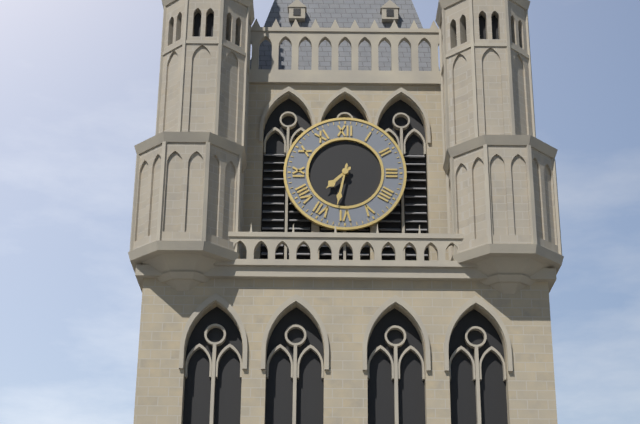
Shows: 7:32
